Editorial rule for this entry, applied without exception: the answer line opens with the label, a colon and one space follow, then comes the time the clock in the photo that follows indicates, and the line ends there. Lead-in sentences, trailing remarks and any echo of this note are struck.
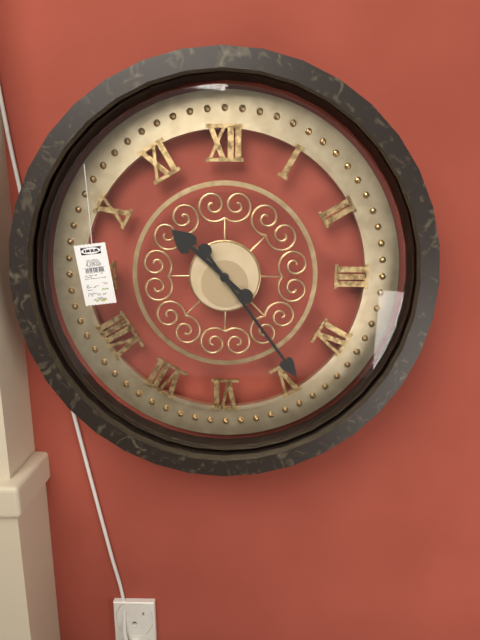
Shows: 10:24
